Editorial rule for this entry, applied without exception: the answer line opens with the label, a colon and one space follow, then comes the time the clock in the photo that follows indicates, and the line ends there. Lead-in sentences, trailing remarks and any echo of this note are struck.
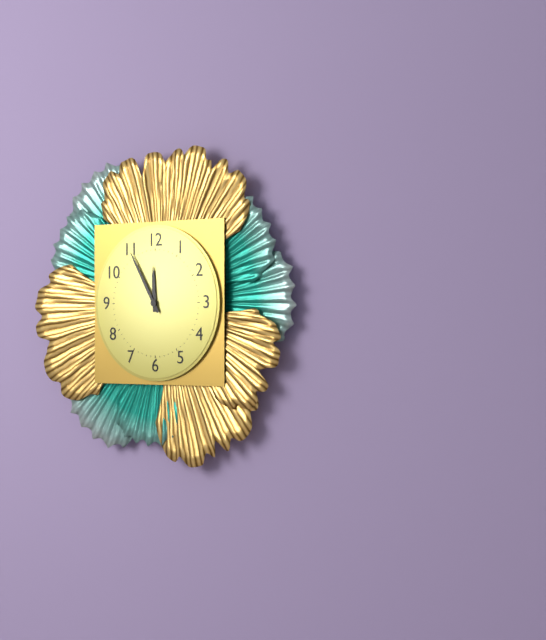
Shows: 11:55
